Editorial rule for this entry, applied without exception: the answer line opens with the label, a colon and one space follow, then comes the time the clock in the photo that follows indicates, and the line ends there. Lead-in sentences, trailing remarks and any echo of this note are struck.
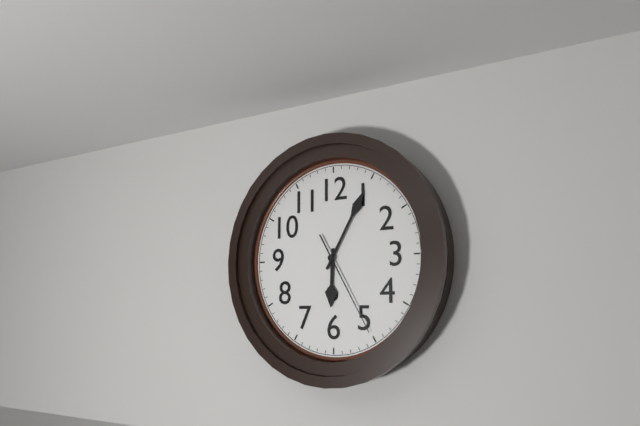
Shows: 6:05:25
